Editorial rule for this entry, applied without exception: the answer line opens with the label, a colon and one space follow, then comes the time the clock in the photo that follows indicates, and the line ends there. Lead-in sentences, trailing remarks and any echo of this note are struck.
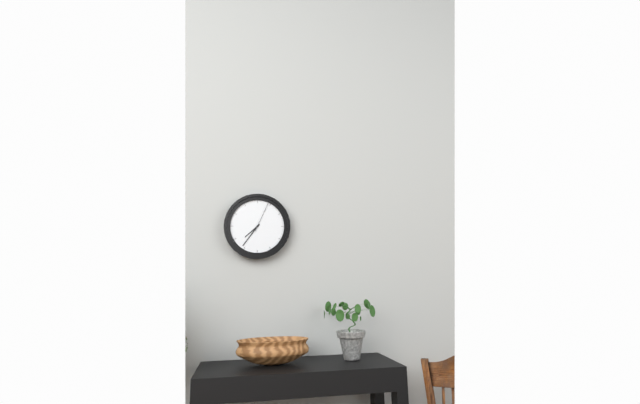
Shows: 7:36
